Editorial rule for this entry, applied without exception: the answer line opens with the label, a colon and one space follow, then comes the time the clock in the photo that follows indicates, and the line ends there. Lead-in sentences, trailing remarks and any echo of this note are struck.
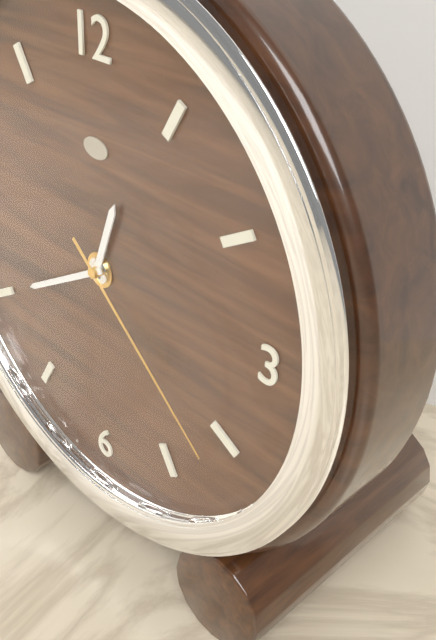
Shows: 12:40:22
